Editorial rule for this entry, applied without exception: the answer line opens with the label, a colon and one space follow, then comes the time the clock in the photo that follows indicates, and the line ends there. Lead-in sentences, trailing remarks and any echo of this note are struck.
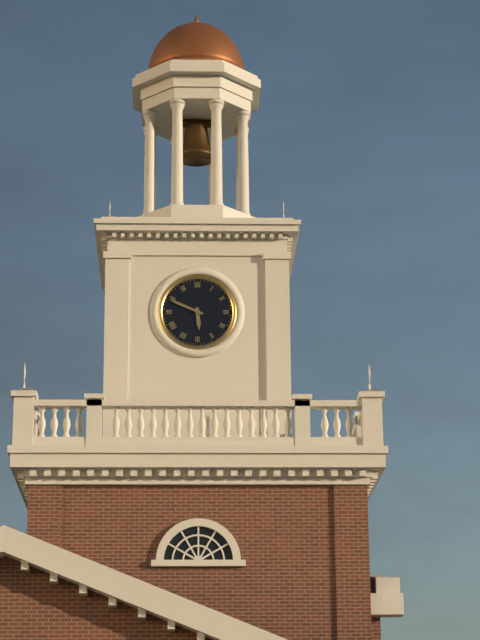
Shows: 5:49
